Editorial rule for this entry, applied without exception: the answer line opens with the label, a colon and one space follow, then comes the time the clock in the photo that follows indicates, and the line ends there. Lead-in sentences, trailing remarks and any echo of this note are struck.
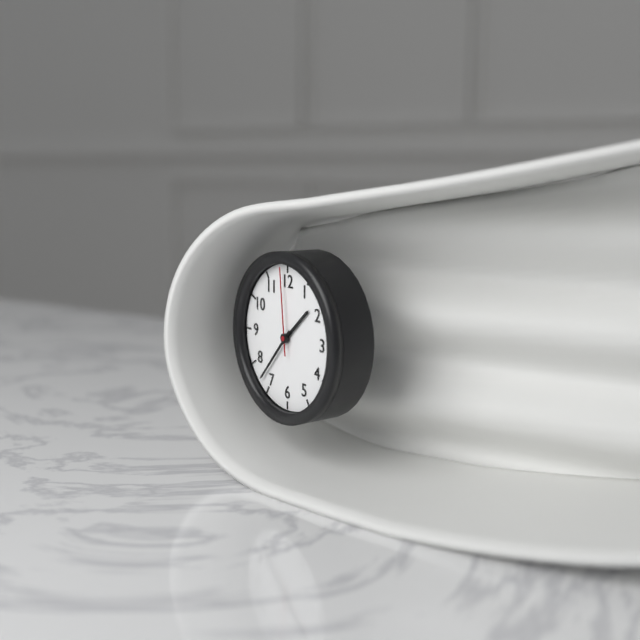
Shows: 1:37:59
